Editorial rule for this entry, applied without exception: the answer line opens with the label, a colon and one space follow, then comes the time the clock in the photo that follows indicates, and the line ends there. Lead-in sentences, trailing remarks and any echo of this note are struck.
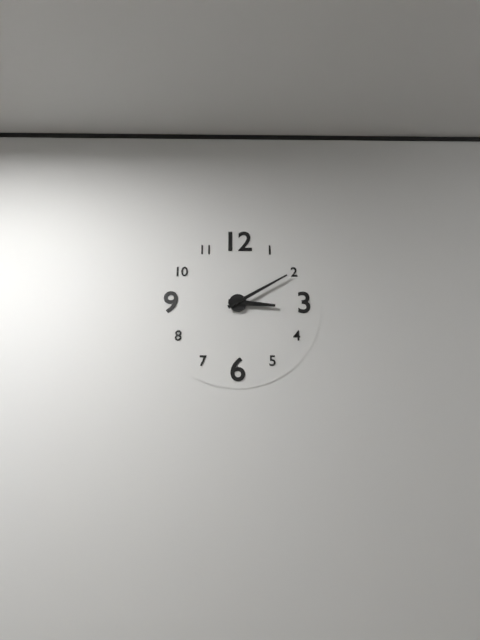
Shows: 3:10
